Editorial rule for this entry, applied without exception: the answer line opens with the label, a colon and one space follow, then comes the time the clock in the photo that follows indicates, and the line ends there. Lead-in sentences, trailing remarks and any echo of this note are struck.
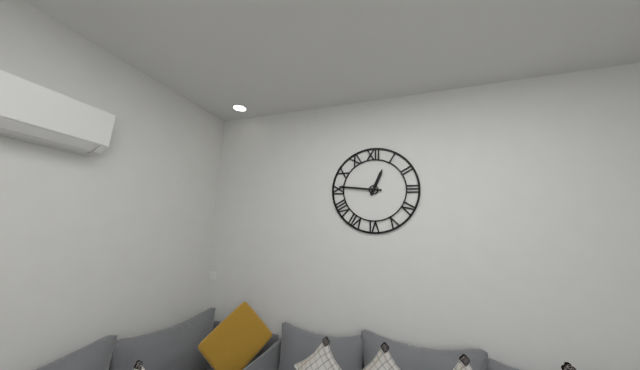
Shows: 12:46
